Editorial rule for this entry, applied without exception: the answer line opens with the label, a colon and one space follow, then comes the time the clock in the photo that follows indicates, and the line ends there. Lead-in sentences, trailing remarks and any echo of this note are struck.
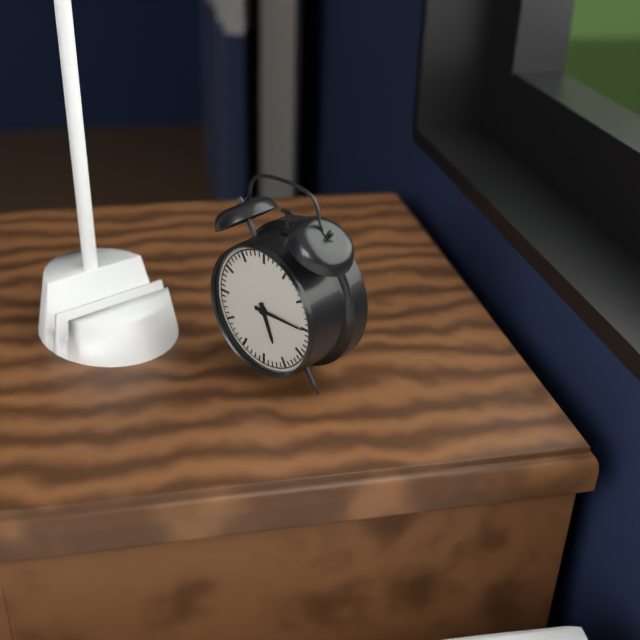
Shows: 5:15
